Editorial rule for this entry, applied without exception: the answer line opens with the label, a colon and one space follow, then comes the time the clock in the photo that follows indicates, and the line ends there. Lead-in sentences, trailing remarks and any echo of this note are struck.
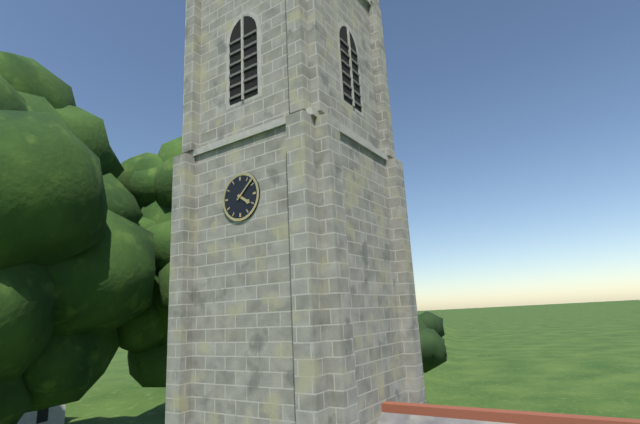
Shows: 4:08
